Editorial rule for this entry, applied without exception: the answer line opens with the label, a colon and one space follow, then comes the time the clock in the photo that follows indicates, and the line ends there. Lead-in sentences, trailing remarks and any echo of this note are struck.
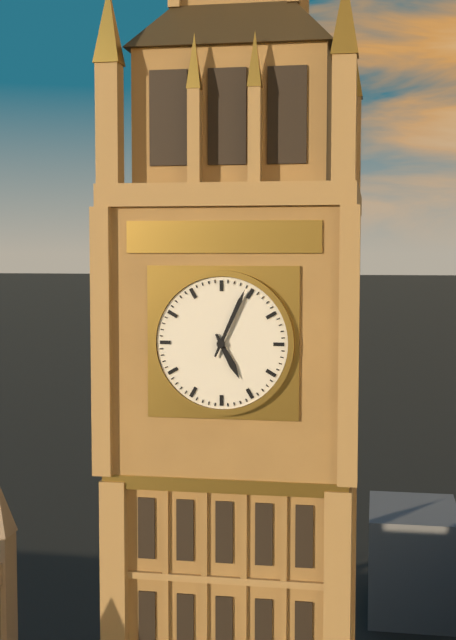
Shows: 5:04
